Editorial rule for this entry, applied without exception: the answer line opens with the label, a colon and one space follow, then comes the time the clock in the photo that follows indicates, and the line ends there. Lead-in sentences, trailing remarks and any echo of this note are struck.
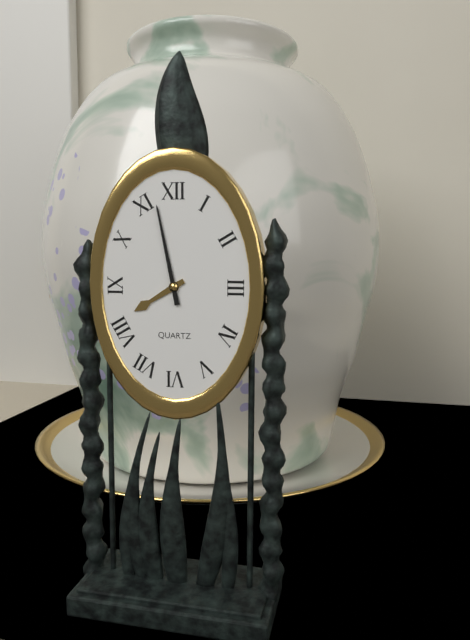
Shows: 7:58
